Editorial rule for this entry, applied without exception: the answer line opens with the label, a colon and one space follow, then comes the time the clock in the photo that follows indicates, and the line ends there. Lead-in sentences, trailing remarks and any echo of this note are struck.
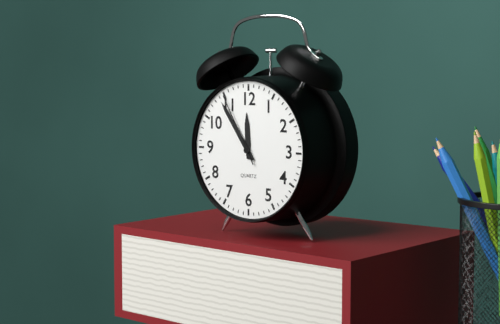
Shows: 11:54:55
